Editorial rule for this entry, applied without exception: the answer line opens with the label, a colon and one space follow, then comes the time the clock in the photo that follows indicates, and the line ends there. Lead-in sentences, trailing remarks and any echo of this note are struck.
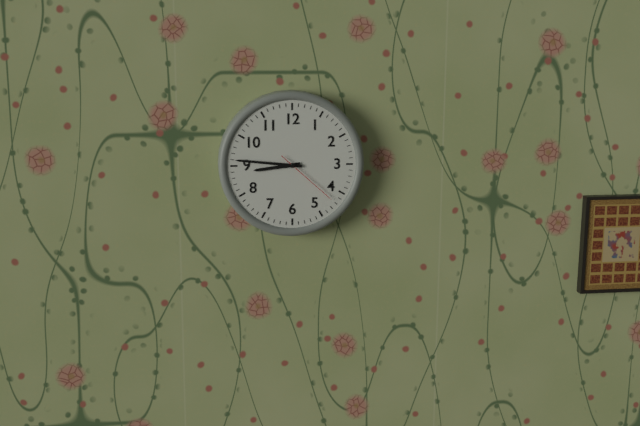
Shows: 8:46:22
